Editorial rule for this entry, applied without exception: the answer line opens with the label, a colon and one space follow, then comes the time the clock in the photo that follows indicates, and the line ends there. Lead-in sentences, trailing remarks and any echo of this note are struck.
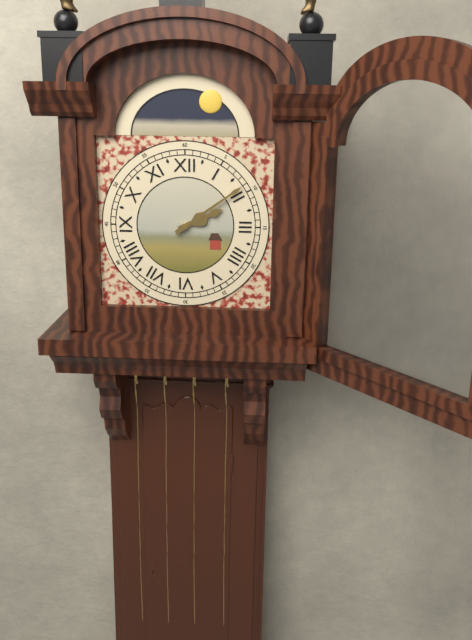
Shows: 2:09
